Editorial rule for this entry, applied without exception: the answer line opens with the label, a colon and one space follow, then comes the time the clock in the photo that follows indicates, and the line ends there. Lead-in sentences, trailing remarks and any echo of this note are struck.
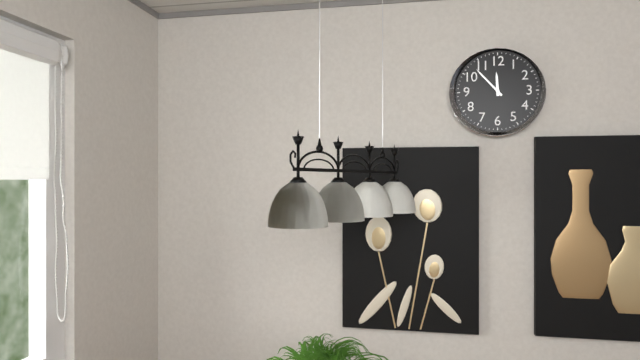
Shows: 11:53
